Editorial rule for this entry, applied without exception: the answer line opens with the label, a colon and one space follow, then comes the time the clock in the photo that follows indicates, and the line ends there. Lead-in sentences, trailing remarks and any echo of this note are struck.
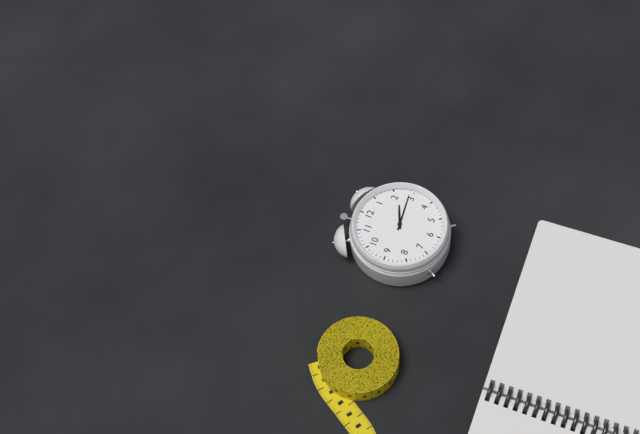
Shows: 2:14
